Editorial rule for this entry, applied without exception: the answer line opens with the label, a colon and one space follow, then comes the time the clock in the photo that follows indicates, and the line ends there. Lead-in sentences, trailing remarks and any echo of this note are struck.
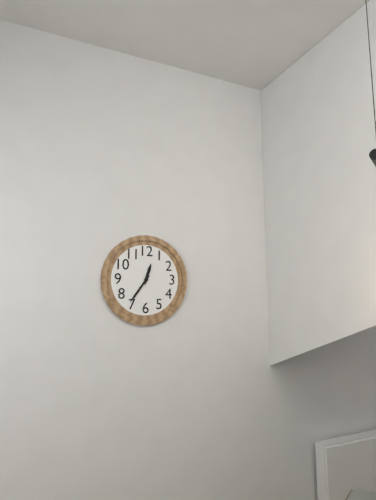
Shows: 12:36
